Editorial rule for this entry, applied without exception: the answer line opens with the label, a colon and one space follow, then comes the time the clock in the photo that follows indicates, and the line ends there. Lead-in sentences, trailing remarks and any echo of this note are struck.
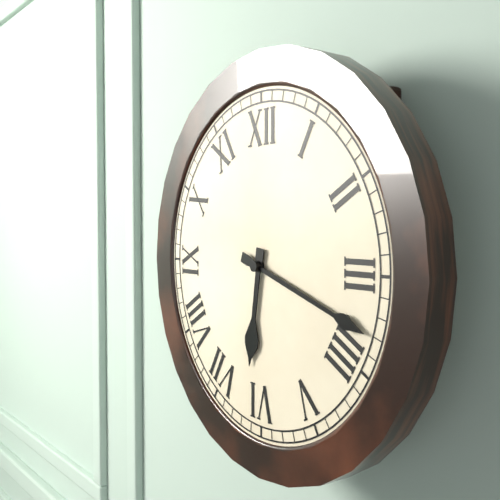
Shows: 6:18
